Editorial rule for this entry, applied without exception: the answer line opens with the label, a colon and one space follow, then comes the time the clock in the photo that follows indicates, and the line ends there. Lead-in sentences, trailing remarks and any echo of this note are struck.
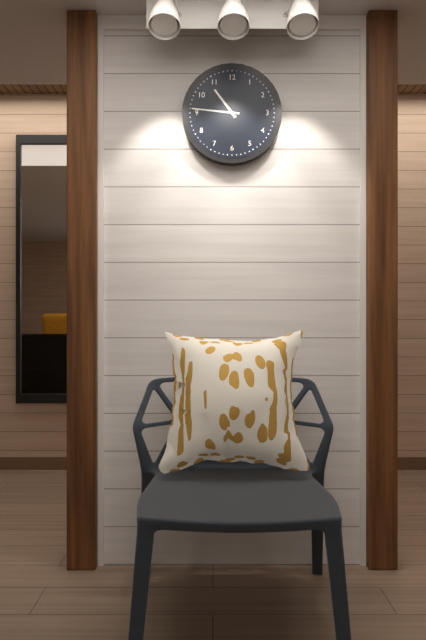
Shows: 10:46
